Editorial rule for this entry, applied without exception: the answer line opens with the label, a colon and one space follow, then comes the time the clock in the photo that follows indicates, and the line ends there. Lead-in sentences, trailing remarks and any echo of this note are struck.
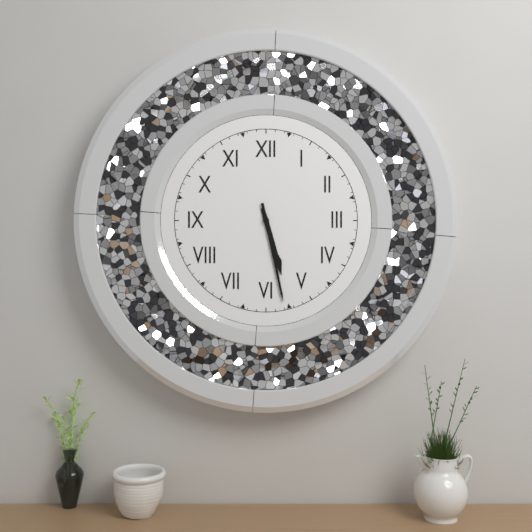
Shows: 5:28
